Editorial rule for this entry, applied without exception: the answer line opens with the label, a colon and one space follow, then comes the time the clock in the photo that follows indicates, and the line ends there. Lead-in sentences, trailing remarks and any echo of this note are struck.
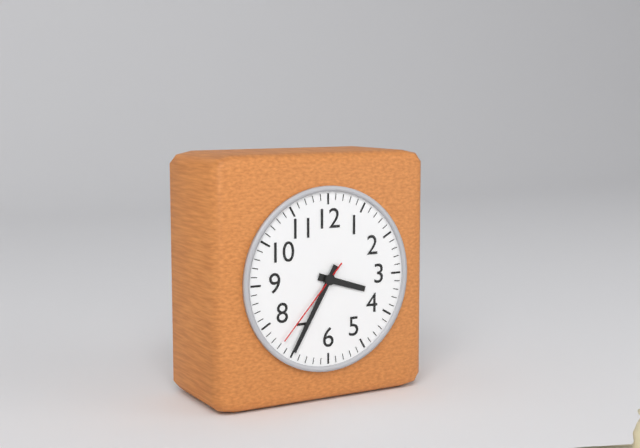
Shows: 3:35:37
